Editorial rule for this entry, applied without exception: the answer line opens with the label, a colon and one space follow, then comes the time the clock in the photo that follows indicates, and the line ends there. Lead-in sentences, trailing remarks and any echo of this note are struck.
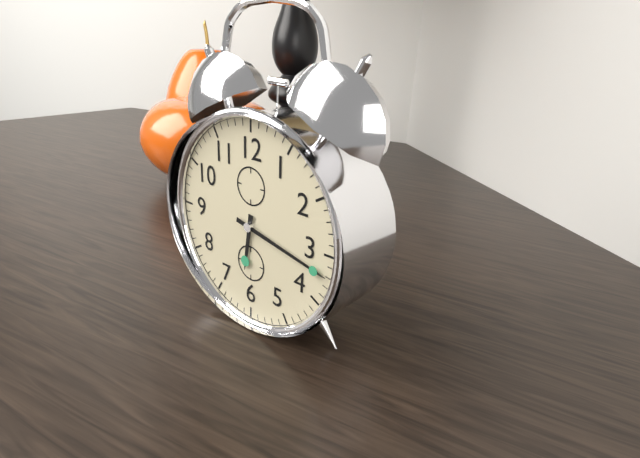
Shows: 6:17
